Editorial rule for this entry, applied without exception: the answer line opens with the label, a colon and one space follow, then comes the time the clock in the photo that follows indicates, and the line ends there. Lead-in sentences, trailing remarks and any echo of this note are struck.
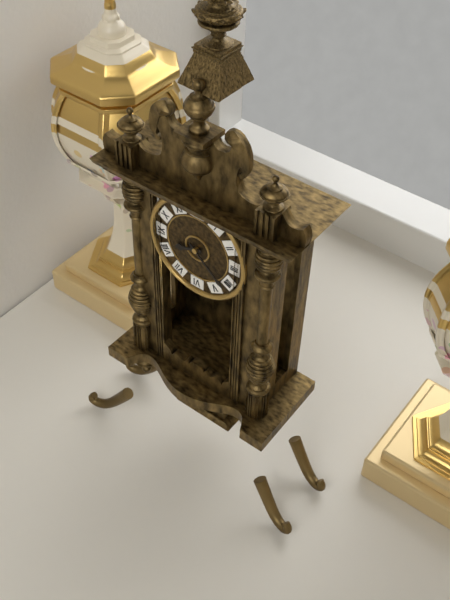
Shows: 8:22
